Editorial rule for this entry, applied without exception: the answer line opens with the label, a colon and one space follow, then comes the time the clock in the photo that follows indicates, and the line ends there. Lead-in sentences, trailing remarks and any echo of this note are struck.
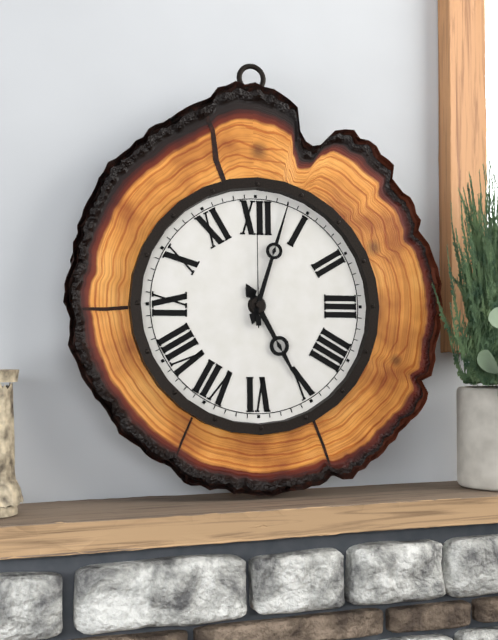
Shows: 5:03:00
